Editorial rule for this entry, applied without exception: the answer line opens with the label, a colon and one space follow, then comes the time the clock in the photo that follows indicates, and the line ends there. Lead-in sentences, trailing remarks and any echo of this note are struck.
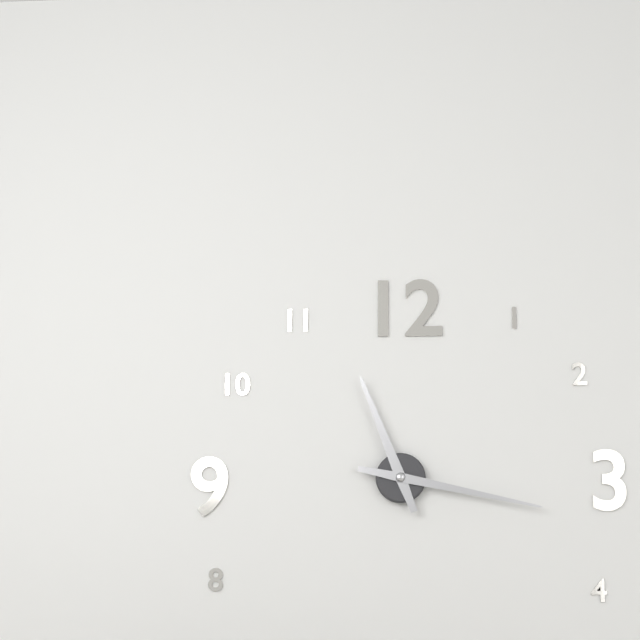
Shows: 11:17
